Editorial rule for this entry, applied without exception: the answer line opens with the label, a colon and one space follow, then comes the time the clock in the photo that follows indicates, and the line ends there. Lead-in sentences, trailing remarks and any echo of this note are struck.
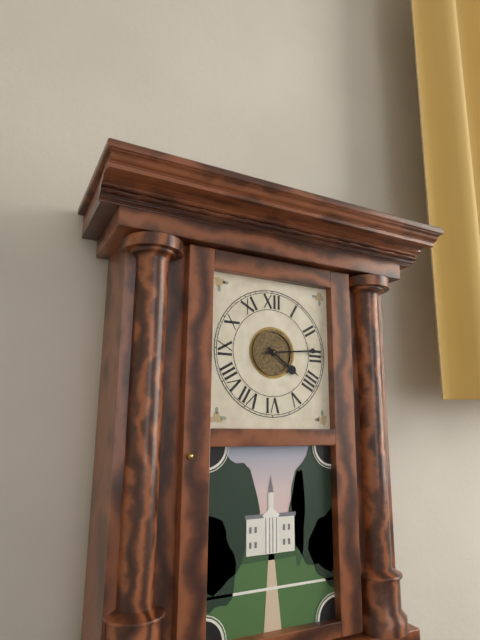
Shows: 4:14
